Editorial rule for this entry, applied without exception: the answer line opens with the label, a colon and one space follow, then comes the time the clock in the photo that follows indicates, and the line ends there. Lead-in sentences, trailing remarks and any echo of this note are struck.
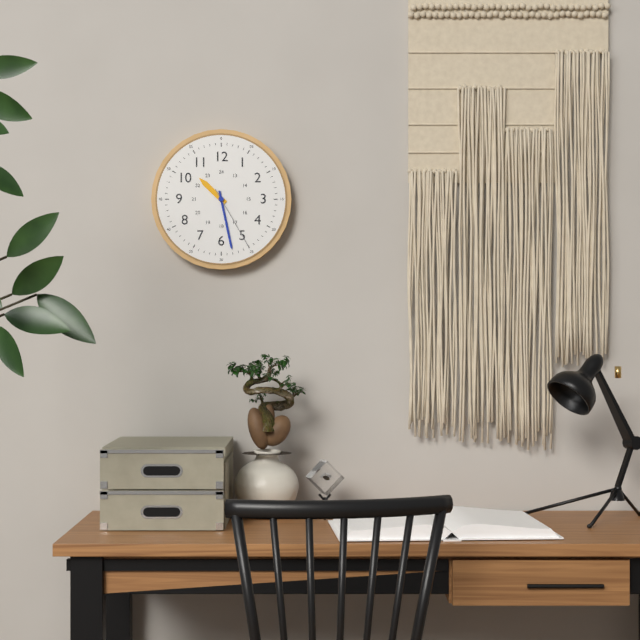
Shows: 10:28:25
